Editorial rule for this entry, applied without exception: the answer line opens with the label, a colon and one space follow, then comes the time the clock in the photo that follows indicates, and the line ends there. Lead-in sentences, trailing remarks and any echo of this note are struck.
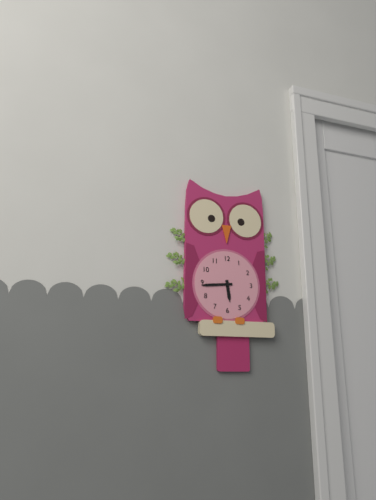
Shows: 5:44
